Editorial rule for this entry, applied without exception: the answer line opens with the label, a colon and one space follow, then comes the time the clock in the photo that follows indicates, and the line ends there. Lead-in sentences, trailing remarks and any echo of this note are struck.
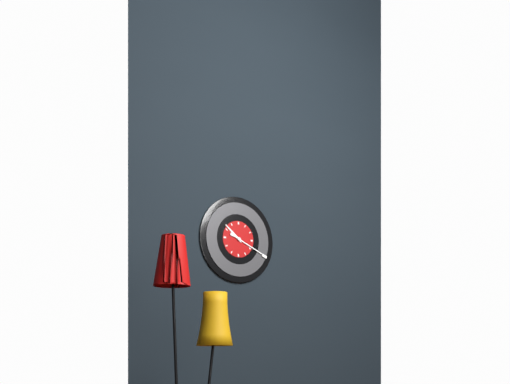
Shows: 10:19
